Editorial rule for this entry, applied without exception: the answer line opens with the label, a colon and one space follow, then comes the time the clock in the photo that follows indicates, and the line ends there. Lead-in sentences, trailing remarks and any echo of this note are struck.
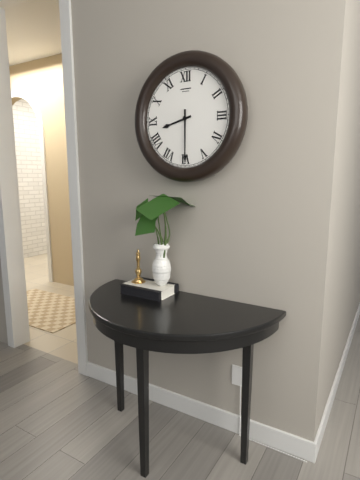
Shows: 8:30
